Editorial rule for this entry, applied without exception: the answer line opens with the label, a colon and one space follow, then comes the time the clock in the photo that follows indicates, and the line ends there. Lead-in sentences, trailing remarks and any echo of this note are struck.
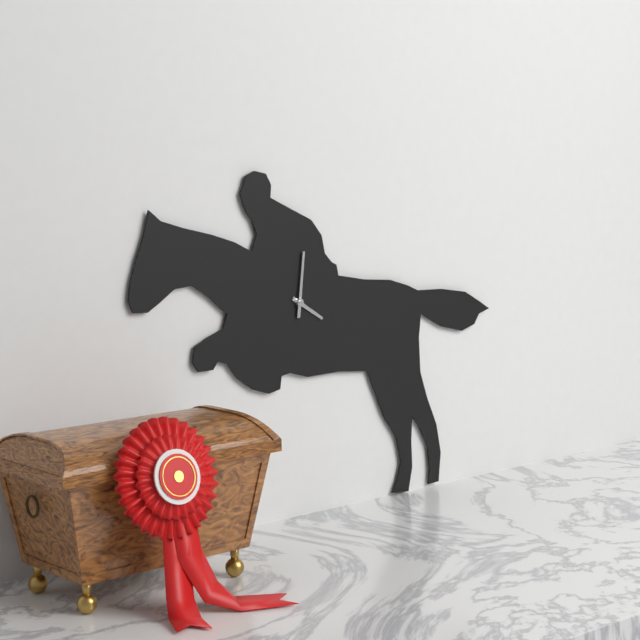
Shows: 4:01
